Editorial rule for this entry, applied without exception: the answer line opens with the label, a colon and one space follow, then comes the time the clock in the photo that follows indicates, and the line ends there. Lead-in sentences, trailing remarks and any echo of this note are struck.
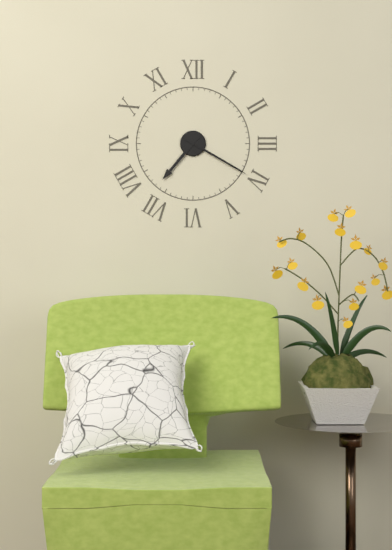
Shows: 7:20
